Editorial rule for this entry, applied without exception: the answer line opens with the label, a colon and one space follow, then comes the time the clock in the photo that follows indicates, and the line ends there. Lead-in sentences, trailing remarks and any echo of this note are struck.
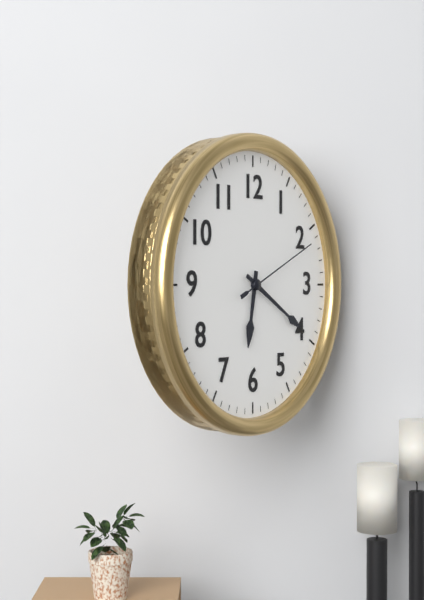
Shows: 6:20:11
